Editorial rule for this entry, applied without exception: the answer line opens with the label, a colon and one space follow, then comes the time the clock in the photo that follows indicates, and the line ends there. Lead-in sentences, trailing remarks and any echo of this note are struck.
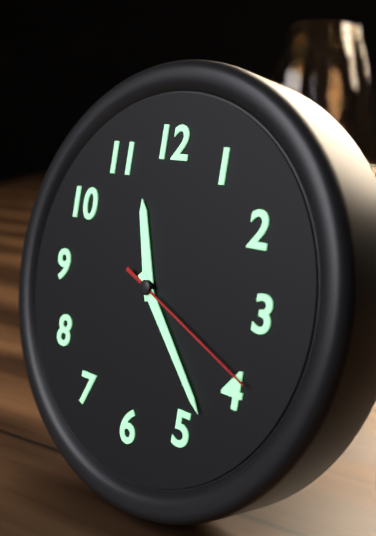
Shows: 11:23:19
